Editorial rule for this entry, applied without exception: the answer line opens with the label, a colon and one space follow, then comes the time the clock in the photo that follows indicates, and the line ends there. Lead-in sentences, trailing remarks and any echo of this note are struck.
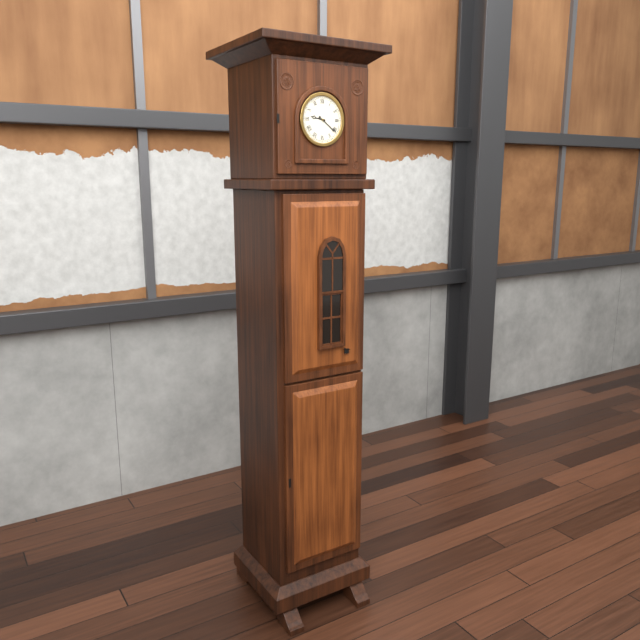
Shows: 9:21
